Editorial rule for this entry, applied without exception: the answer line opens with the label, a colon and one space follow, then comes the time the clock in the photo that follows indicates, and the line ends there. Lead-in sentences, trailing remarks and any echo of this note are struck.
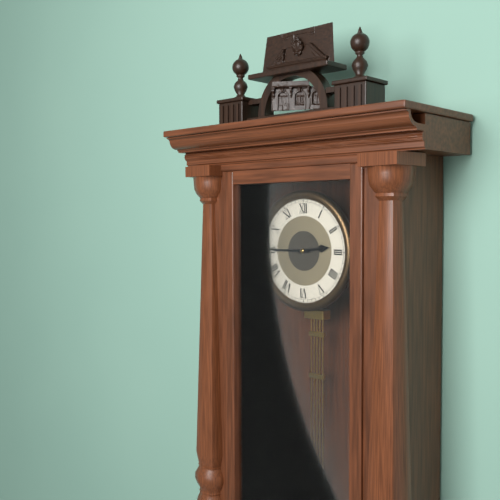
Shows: 2:45
